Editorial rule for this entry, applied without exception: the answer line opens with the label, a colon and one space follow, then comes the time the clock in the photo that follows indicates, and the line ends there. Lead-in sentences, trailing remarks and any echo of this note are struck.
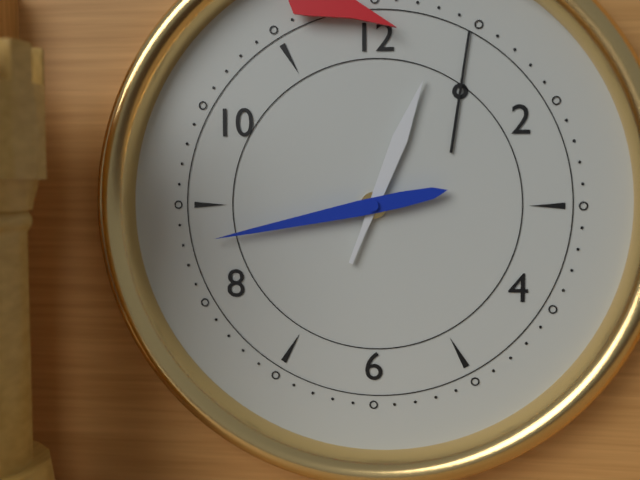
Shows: 12:43
